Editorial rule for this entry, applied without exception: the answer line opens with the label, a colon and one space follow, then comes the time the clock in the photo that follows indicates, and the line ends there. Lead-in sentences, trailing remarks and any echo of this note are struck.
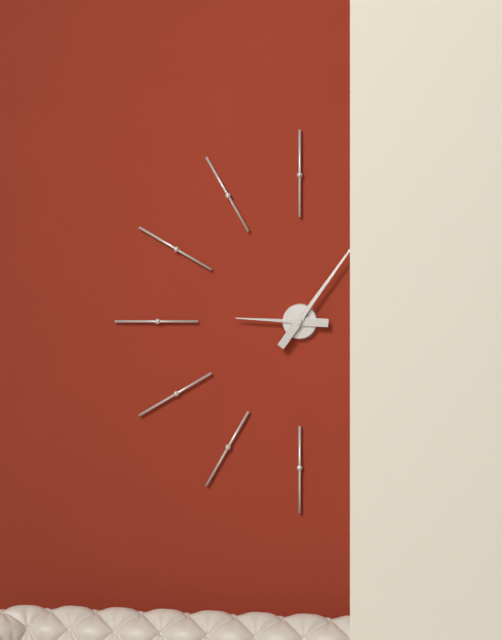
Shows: 9:06
